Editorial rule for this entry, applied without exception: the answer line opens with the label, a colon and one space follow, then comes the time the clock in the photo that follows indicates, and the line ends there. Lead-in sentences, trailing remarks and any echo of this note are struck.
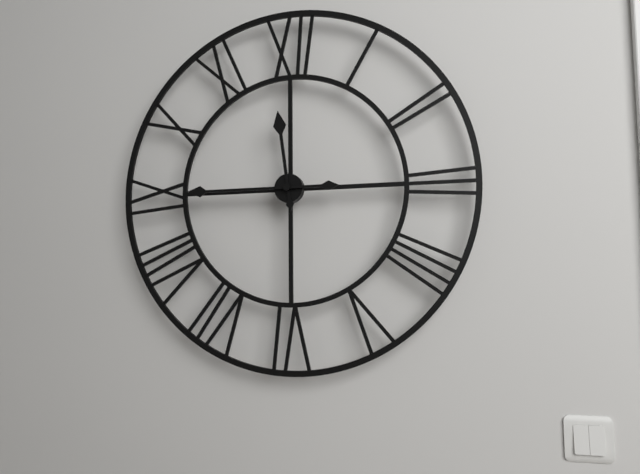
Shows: 11:45
